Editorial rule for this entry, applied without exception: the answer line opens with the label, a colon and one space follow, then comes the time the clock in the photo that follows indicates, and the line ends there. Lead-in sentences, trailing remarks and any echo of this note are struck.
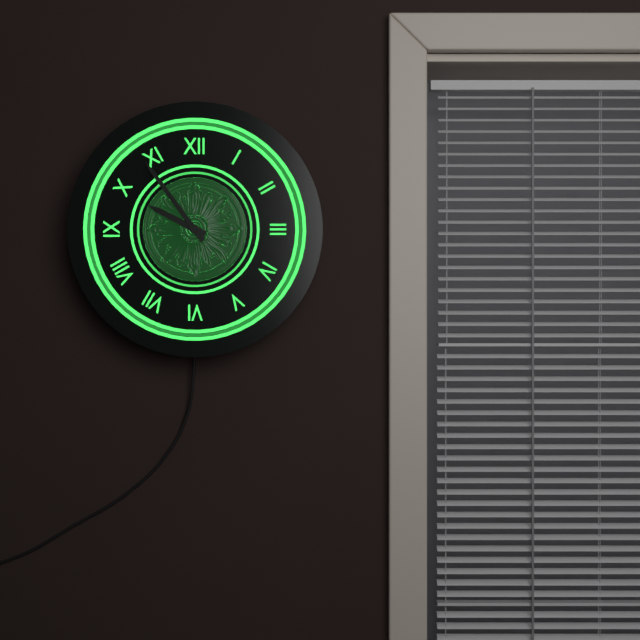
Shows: 9:54
